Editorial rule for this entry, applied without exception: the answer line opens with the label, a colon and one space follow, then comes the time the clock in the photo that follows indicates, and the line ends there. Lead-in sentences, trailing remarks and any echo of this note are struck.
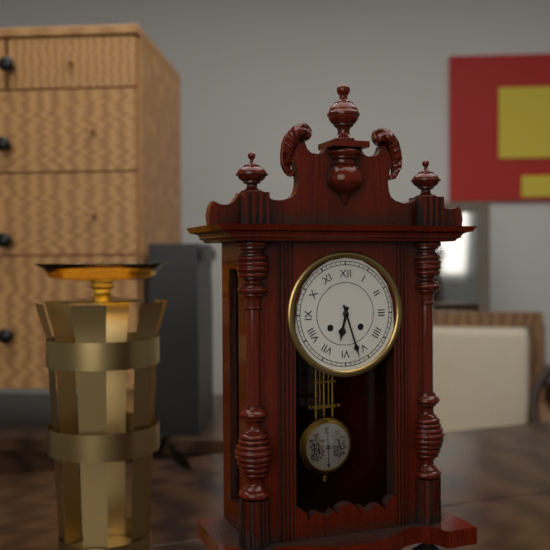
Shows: 6:27
